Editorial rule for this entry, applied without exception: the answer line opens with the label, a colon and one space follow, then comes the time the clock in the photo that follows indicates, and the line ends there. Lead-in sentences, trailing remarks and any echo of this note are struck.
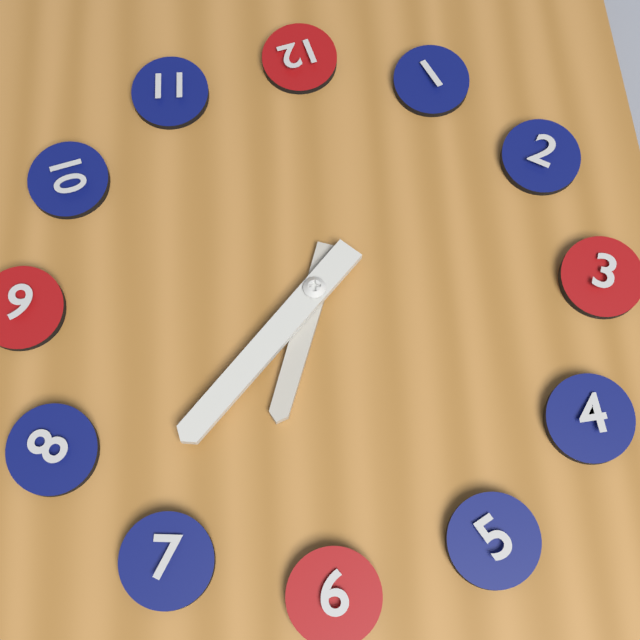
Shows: 6:37
